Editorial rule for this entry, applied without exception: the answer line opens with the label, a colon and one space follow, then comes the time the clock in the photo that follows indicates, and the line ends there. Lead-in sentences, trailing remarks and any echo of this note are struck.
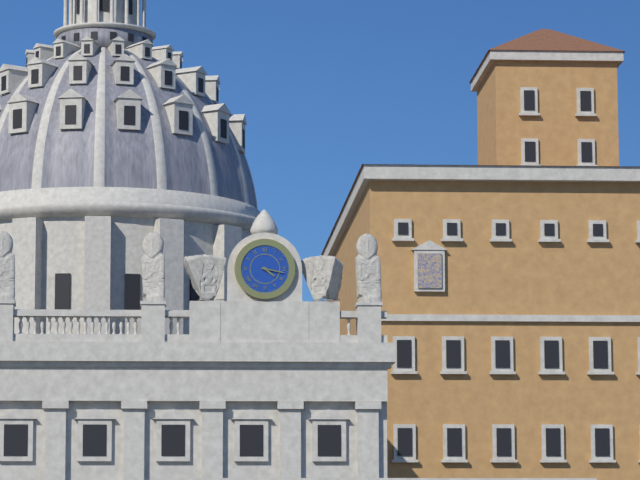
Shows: 4:17
